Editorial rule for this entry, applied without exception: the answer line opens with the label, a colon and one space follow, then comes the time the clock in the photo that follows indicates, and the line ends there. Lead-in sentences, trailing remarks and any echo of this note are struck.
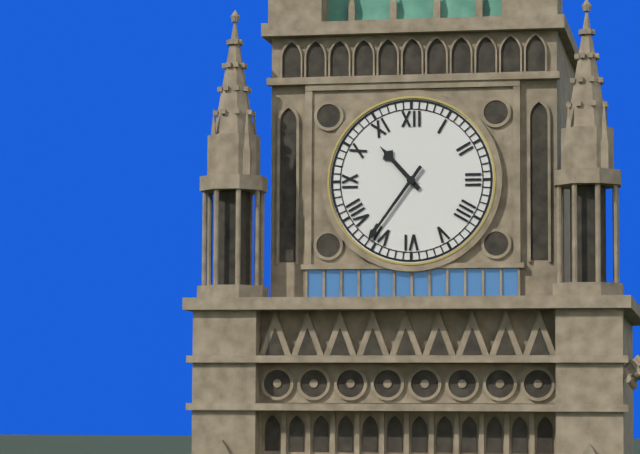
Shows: 10:36
